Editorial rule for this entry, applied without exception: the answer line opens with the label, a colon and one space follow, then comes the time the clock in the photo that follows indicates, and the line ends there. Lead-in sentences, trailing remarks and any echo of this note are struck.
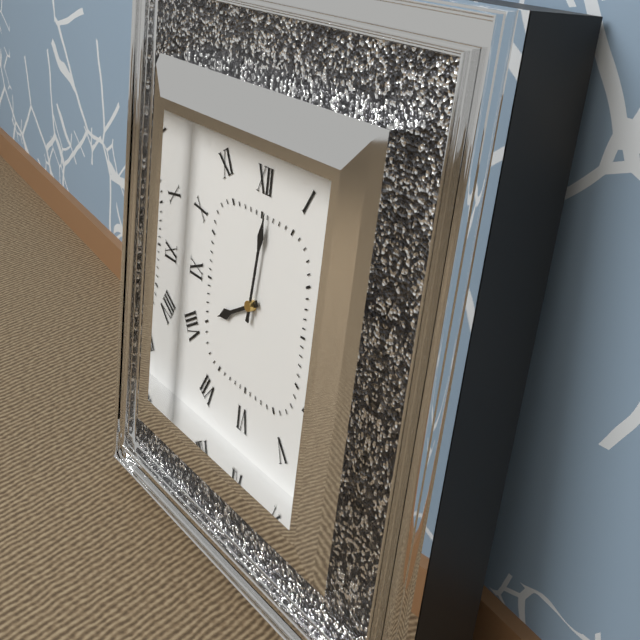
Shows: 8:01
